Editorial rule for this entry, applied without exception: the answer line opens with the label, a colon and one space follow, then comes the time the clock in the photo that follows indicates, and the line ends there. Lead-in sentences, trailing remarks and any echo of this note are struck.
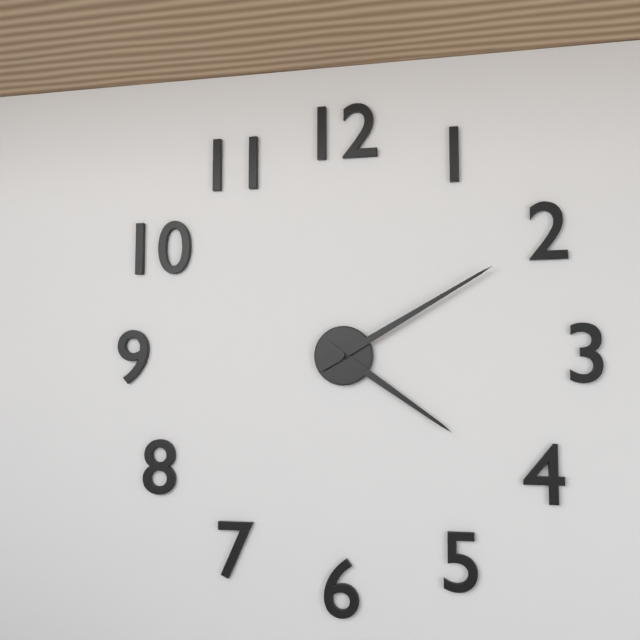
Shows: 4:10
